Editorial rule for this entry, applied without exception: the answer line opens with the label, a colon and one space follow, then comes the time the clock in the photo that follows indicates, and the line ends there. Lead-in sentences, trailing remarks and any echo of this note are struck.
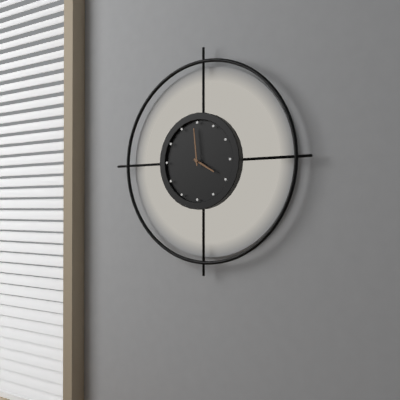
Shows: 3:59
